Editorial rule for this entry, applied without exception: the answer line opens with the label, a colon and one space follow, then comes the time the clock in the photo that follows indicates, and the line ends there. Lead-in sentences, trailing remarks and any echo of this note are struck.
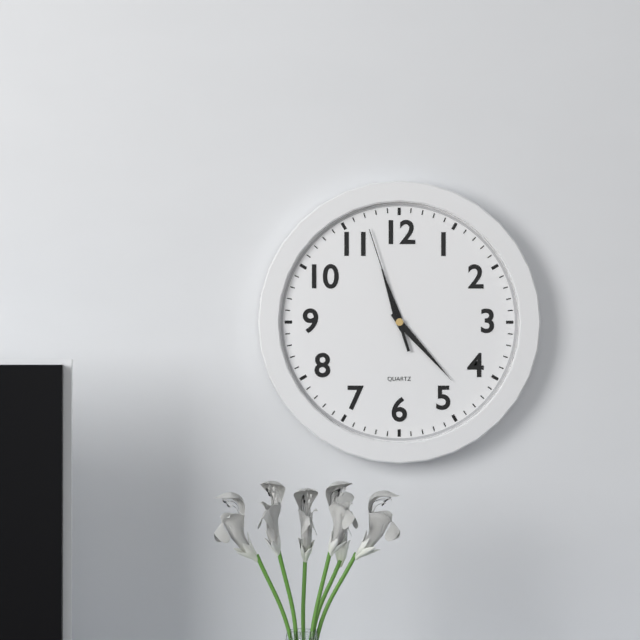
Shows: 11:23:57
